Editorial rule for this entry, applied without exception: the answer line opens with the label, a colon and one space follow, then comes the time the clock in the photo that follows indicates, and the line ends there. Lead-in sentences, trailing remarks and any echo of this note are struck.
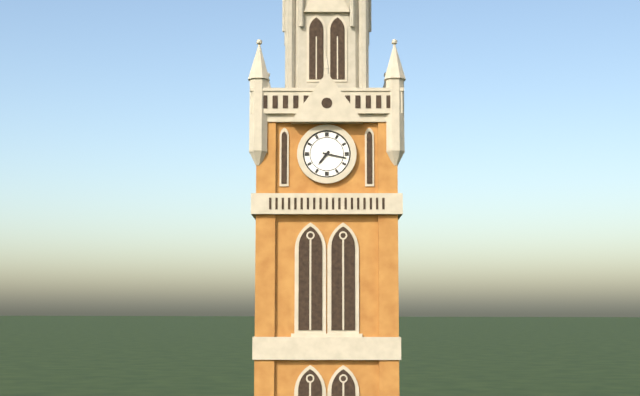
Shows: 7:17
